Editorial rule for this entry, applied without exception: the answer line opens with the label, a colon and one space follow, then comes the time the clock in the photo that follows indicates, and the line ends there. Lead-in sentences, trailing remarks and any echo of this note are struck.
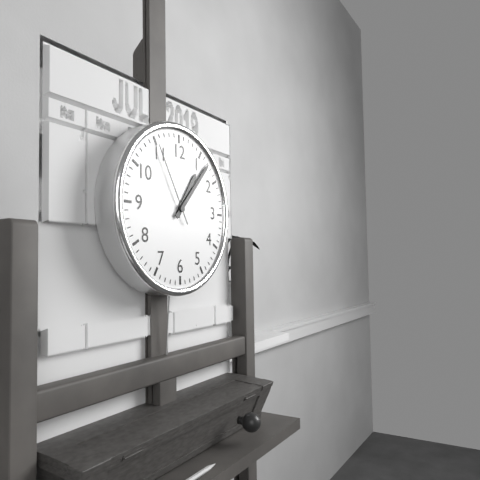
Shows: 1:07:55
